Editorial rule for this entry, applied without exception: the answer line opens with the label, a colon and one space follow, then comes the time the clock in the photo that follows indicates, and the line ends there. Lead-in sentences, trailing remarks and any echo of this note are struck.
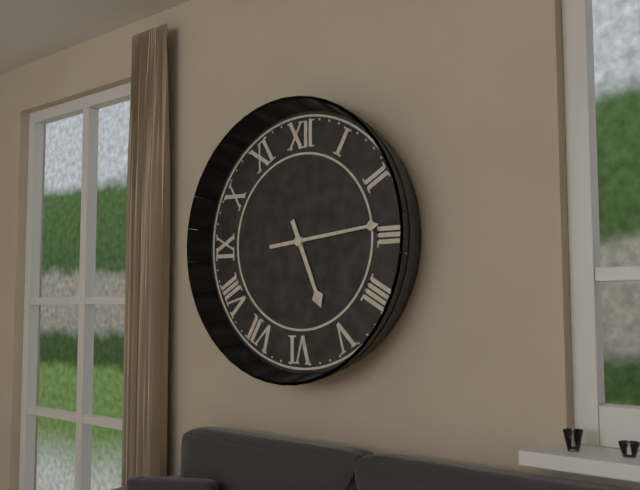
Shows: 5:14
